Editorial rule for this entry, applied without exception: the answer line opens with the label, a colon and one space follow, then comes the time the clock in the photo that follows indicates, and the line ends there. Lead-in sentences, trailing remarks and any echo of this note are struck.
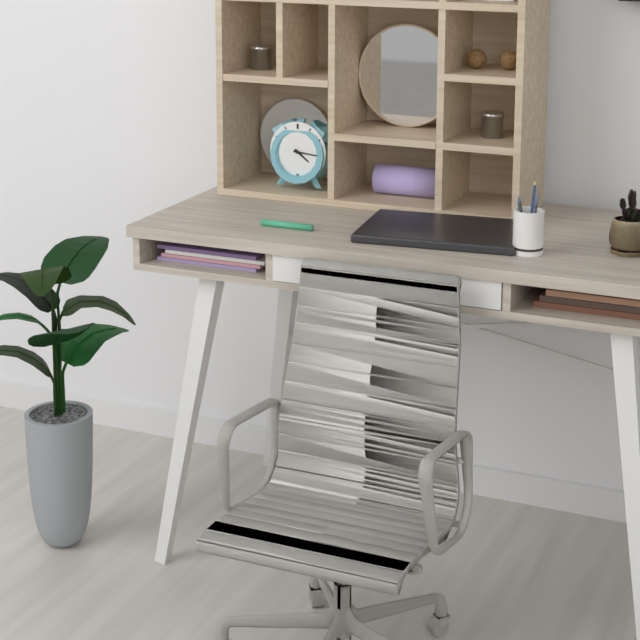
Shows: 4:16
